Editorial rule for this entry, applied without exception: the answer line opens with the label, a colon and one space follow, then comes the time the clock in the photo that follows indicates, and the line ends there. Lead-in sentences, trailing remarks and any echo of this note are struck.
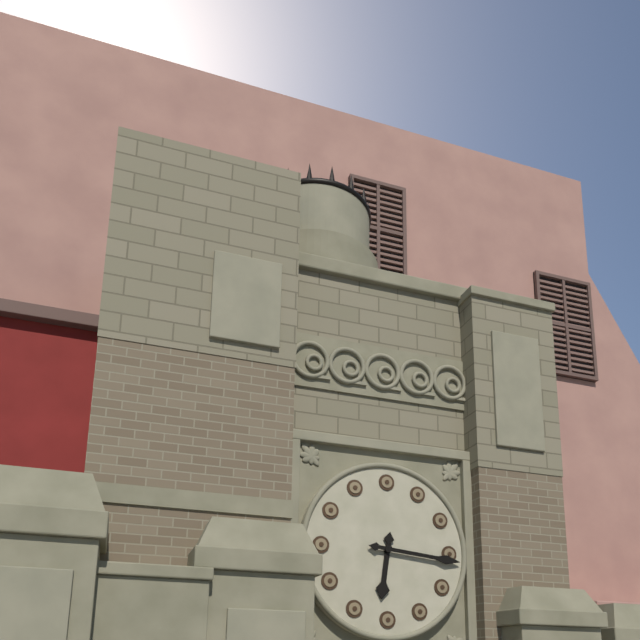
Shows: 6:16
